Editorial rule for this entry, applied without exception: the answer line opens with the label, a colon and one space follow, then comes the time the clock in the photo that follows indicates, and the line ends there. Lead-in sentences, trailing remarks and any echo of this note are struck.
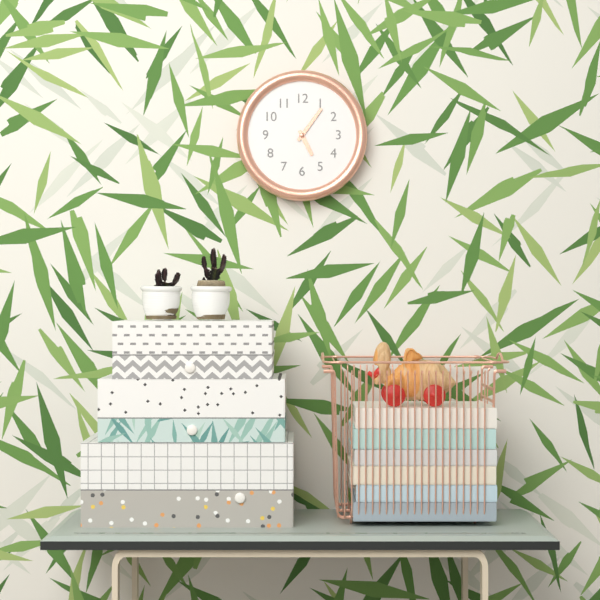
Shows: 5:06
